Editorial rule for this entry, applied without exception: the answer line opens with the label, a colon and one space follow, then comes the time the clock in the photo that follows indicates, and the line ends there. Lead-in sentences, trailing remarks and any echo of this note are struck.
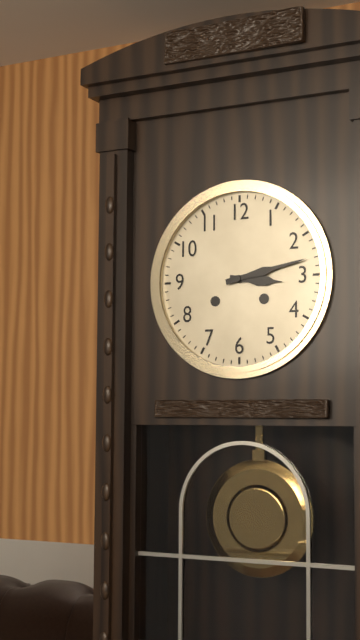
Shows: 3:13
